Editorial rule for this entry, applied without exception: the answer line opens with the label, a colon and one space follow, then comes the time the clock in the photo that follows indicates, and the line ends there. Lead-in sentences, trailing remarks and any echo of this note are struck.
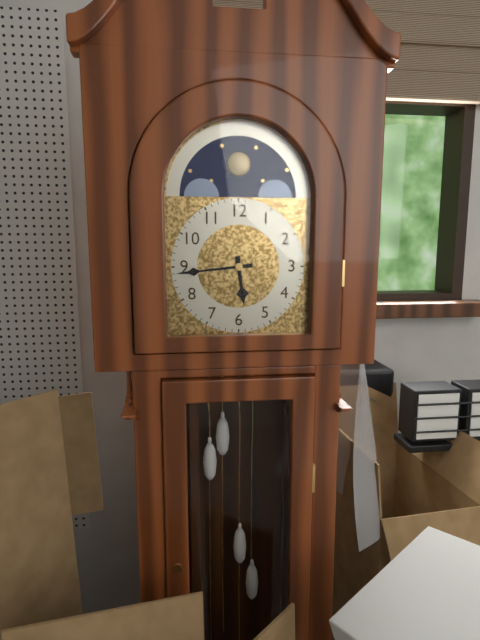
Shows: 5:44
